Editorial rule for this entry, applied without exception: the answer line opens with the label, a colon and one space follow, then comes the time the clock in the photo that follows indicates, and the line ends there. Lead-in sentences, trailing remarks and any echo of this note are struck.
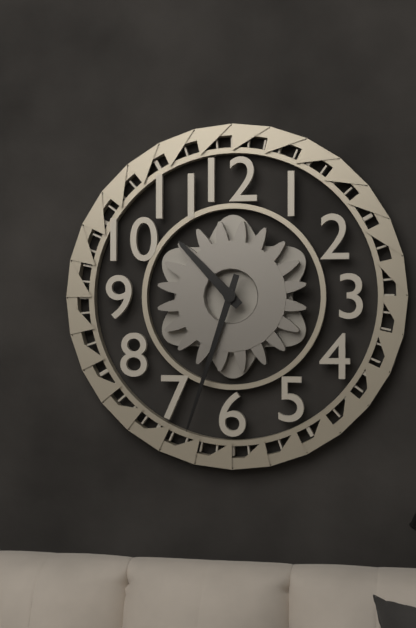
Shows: 10:33
